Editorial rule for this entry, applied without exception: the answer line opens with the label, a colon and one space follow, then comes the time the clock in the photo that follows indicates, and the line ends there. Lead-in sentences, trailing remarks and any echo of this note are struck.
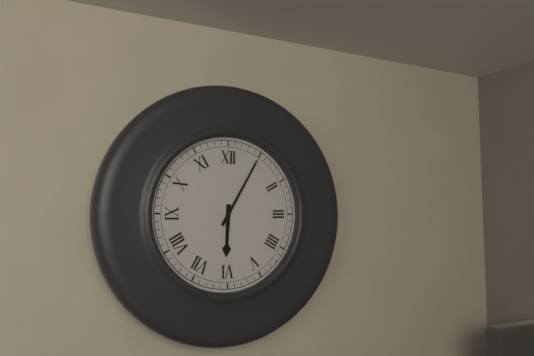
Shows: 6:05
